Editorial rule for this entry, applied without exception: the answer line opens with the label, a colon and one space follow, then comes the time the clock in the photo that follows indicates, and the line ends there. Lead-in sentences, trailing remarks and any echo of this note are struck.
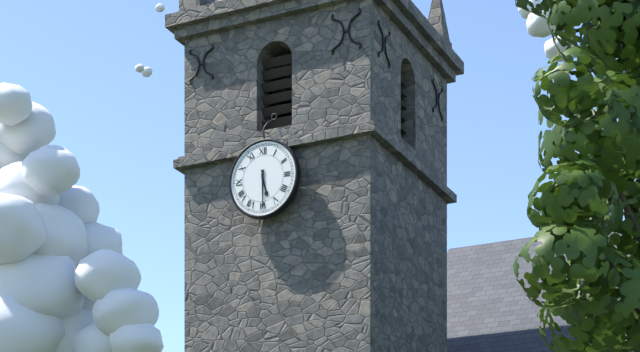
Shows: 5:30
